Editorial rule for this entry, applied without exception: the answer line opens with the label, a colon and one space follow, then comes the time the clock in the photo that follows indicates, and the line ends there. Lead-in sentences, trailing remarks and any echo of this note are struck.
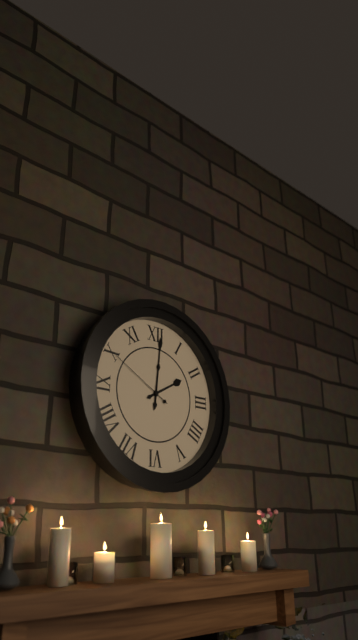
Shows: 2:01:50
